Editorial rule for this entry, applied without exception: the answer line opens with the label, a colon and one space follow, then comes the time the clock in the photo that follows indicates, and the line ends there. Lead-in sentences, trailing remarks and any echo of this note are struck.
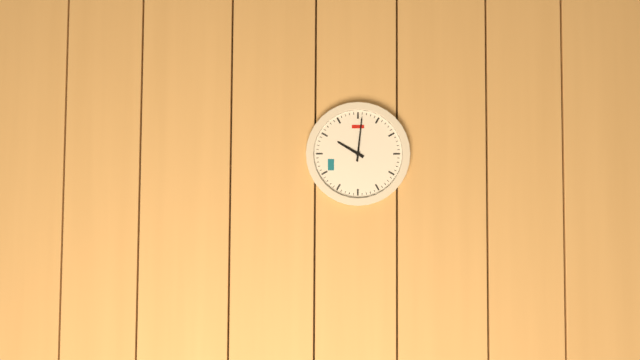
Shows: 10:01
